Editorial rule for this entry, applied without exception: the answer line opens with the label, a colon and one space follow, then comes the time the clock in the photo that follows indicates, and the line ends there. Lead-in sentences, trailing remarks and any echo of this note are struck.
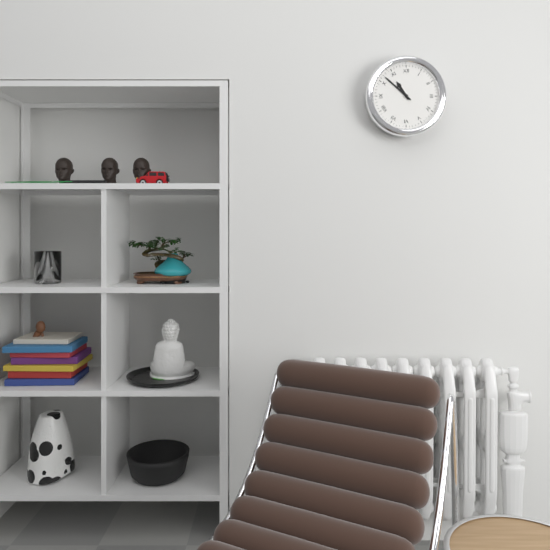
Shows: 10:52
